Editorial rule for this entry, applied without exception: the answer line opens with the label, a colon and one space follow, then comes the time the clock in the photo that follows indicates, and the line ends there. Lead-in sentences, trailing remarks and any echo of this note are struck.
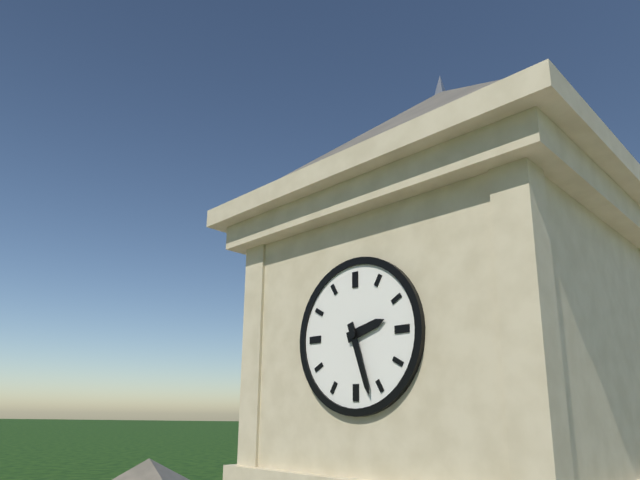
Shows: 2:27
